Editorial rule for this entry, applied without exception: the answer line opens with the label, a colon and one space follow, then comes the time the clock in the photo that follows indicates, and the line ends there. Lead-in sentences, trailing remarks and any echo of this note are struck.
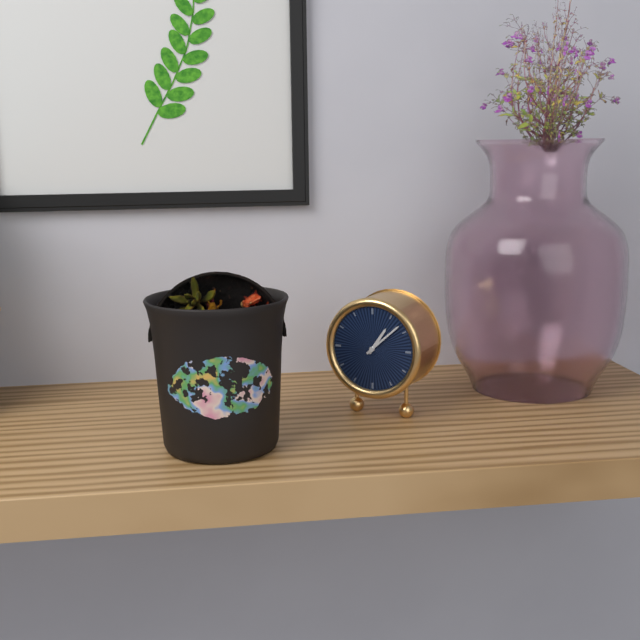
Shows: 1:08
